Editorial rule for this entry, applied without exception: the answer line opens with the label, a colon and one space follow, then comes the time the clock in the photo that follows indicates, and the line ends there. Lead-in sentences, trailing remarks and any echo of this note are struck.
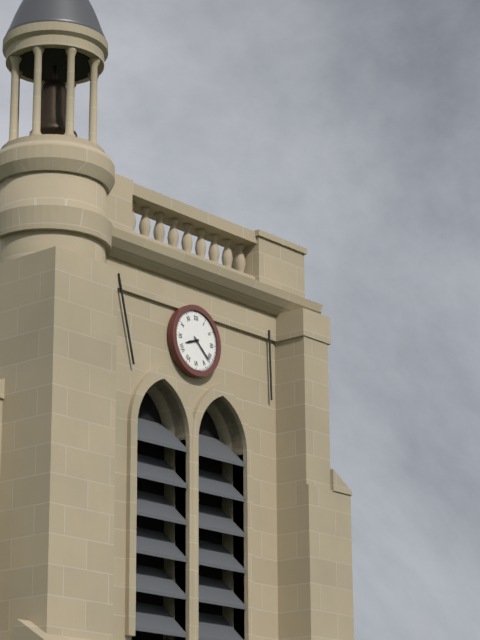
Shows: 8:22
